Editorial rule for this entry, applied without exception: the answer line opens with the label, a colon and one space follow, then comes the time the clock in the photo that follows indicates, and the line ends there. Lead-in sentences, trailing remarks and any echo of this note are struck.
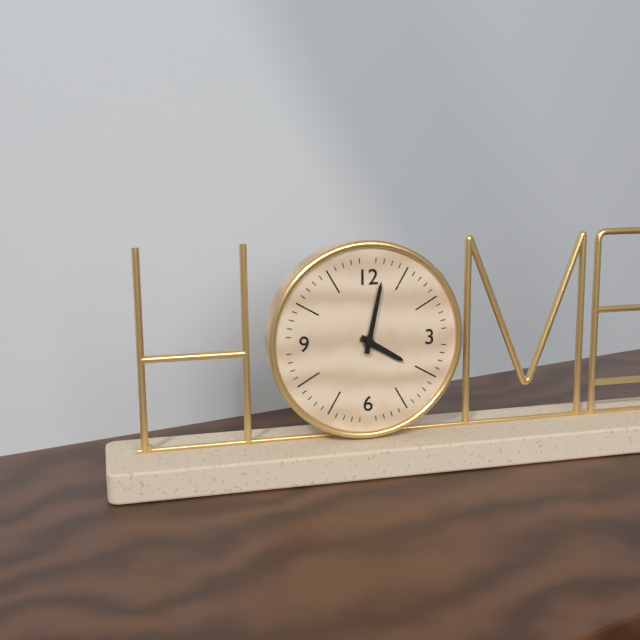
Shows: 4:02
